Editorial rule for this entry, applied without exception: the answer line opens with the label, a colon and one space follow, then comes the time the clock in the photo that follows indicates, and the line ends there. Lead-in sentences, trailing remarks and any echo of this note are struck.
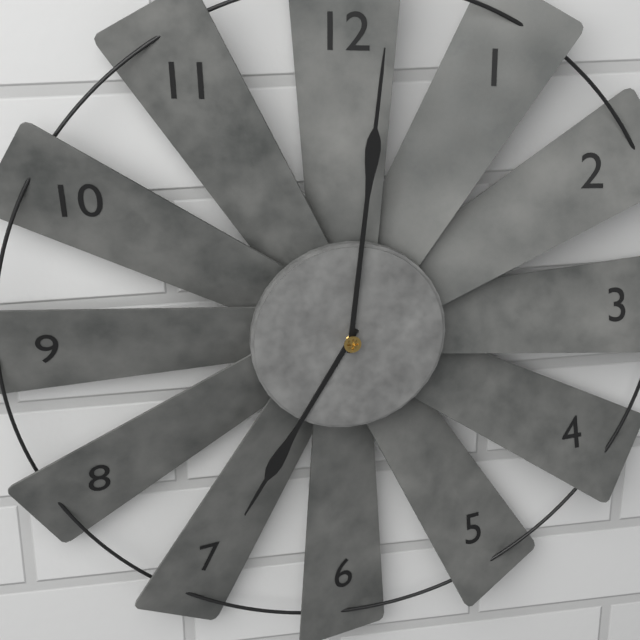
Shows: 7:01
